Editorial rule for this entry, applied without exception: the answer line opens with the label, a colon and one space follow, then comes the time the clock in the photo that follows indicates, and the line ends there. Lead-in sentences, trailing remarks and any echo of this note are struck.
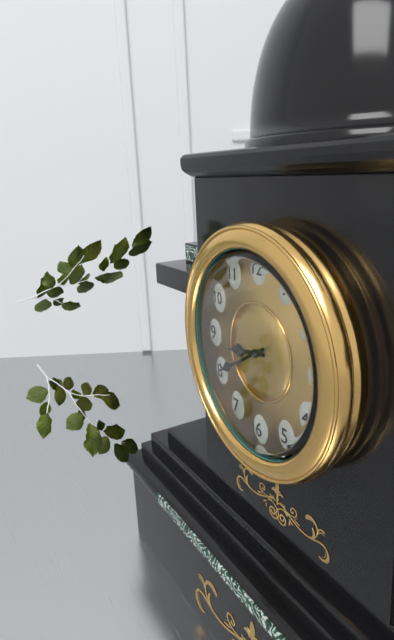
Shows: 8:40
